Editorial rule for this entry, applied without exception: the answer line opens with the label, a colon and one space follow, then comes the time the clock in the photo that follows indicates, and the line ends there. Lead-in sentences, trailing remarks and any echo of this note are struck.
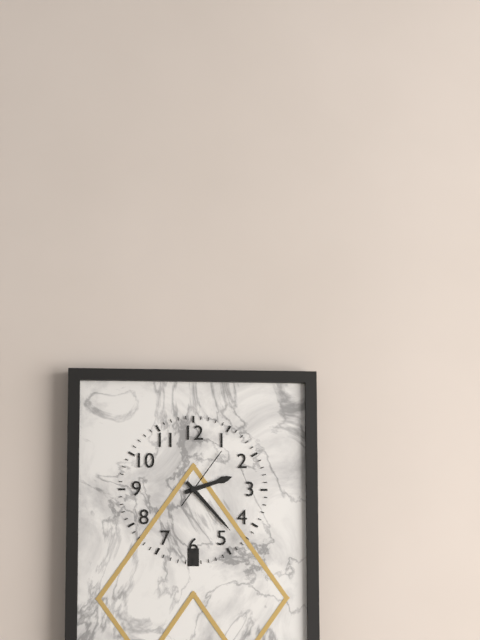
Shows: 2:23:06
